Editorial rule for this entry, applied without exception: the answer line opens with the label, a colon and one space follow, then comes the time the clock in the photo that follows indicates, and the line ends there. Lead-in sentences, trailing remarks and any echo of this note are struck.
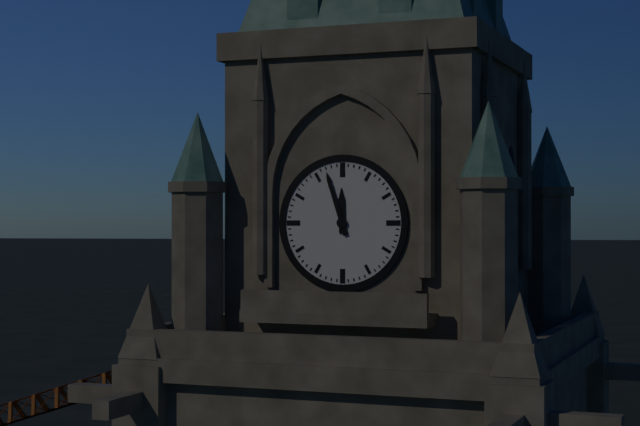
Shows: 11:57
